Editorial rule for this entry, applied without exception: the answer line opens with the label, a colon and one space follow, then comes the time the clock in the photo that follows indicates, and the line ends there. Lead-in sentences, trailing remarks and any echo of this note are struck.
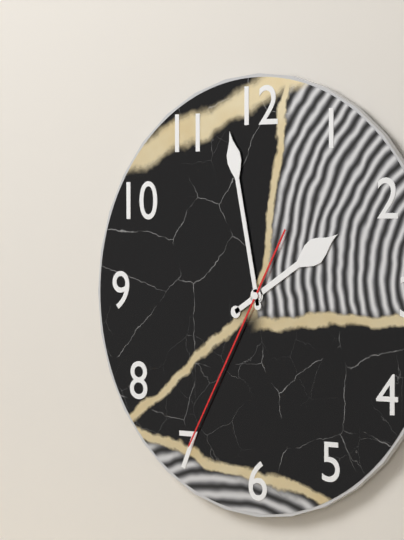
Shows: 1:58:35
